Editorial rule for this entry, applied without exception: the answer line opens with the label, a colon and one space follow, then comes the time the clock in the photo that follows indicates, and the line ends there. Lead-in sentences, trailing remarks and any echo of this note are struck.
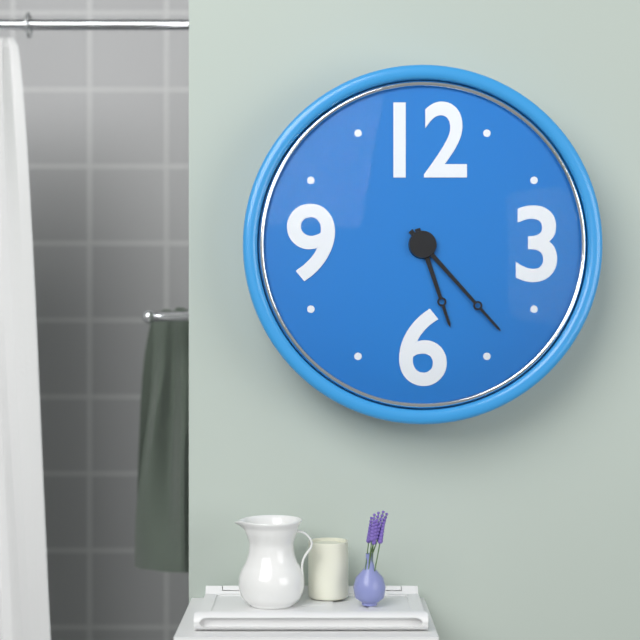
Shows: 5:23
